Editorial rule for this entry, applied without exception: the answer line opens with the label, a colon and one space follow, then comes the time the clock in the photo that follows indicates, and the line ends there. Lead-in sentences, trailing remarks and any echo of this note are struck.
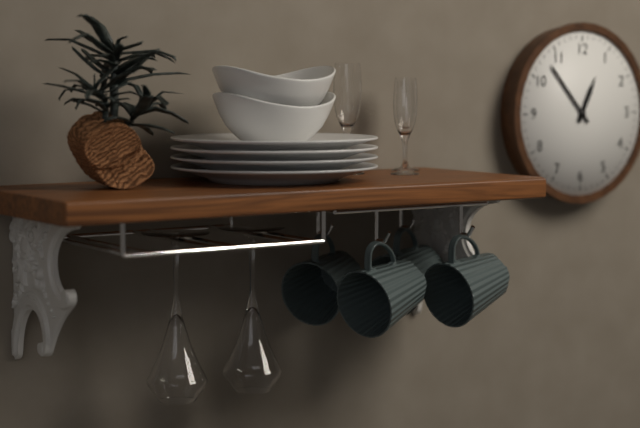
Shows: 12:53
